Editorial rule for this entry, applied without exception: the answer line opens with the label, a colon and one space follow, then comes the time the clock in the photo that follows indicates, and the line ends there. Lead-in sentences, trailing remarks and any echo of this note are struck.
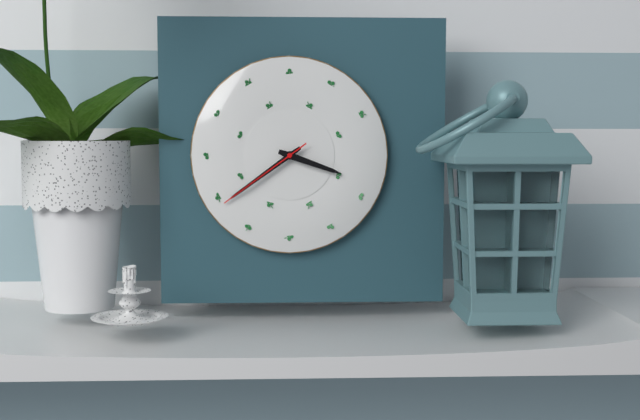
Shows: 3:39:39
